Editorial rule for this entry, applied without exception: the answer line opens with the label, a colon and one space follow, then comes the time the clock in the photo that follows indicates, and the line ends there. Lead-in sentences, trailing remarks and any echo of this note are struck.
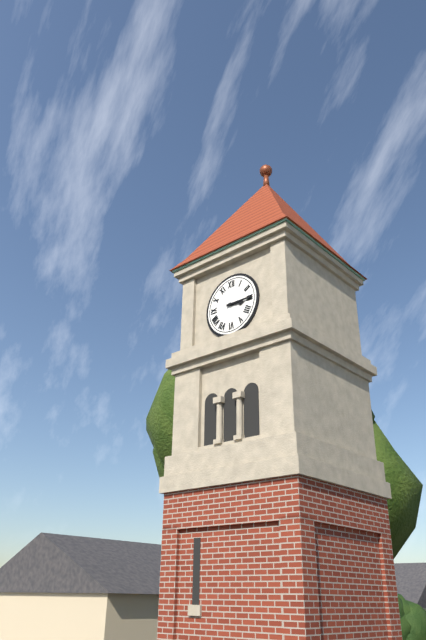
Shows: 3:15
